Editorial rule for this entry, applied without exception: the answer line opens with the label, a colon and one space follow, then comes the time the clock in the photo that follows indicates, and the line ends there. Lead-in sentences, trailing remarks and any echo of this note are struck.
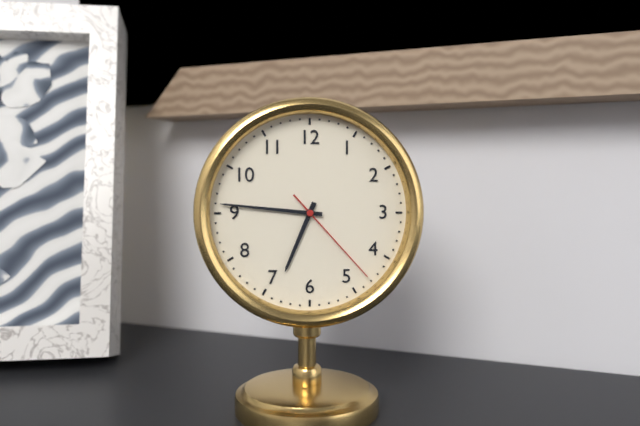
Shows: 6:46:23
